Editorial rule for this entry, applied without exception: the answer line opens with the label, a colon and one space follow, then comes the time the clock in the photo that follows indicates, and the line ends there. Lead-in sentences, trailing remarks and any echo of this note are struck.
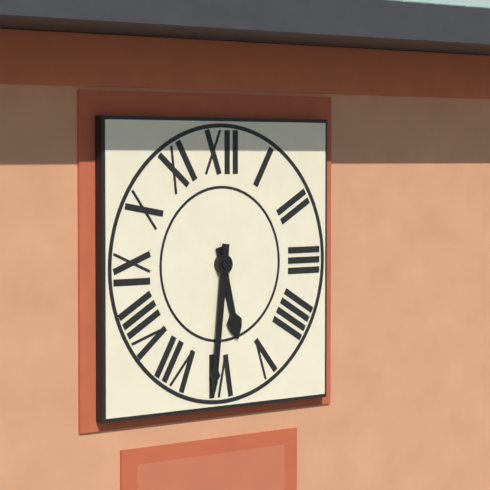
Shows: 5:31
